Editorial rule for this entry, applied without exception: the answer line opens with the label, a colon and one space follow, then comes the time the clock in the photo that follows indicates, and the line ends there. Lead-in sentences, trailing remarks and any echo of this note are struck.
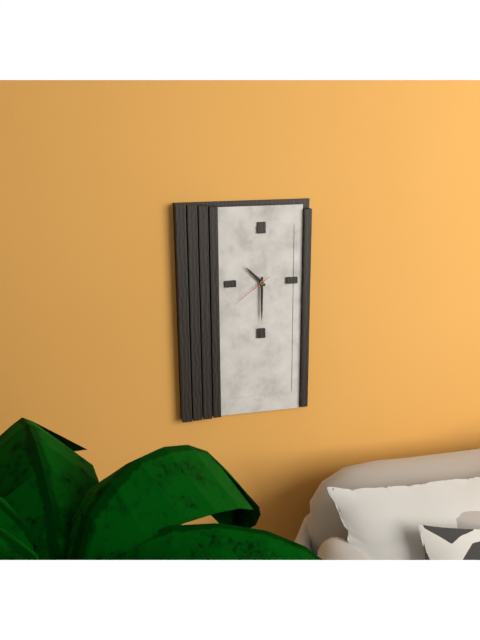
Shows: 10:30
